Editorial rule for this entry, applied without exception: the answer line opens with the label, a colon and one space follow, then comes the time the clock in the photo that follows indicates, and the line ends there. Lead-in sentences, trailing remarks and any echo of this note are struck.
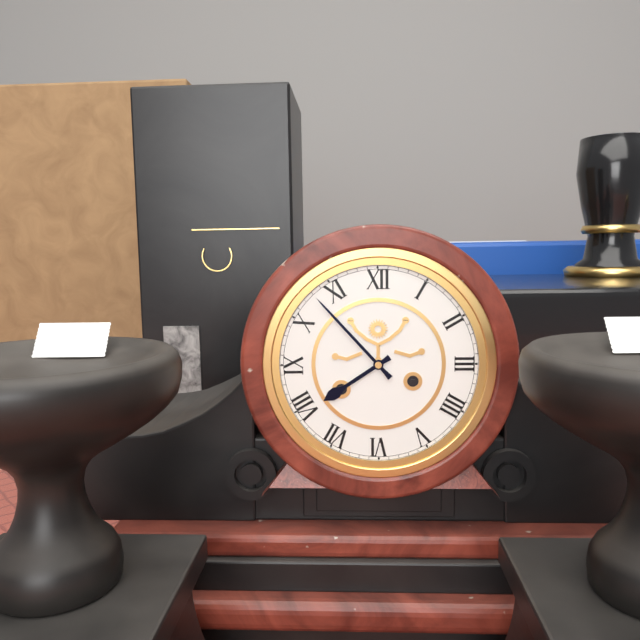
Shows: 7:53
